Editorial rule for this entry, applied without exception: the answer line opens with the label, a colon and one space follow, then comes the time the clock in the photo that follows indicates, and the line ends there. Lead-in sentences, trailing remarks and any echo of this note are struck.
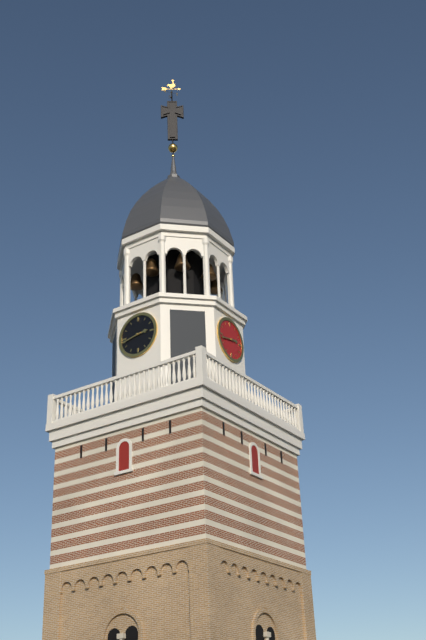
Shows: 2:43
